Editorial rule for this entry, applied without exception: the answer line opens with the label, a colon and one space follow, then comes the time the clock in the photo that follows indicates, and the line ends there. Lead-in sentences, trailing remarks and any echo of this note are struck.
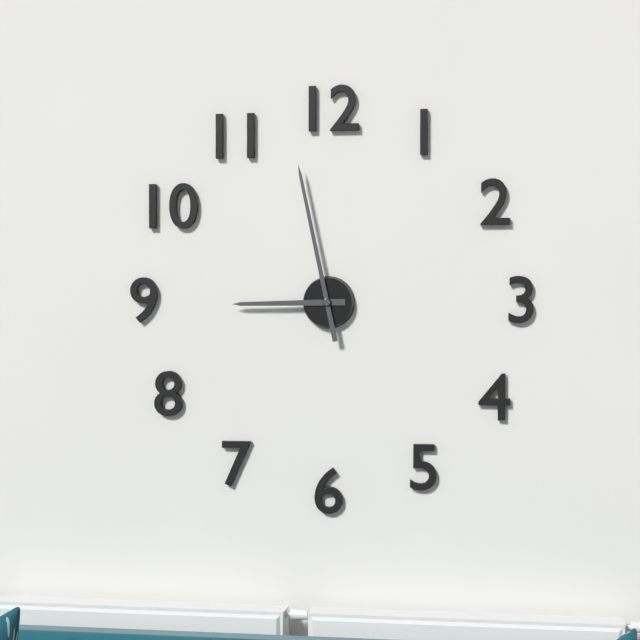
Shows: 8:58
